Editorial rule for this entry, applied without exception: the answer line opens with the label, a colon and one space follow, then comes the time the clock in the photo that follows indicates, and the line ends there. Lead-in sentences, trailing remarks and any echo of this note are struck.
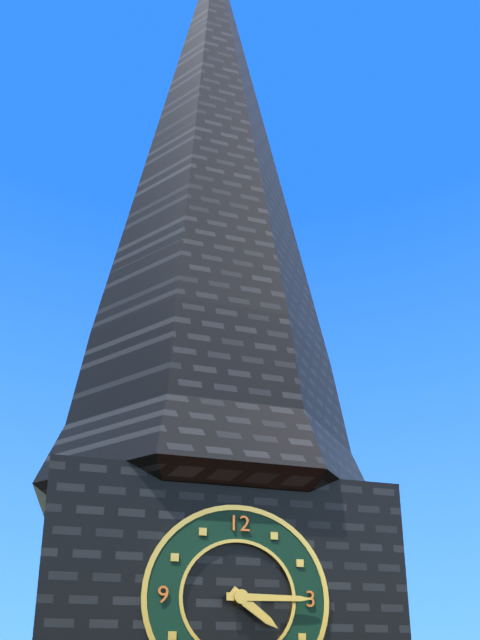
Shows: 4:15
